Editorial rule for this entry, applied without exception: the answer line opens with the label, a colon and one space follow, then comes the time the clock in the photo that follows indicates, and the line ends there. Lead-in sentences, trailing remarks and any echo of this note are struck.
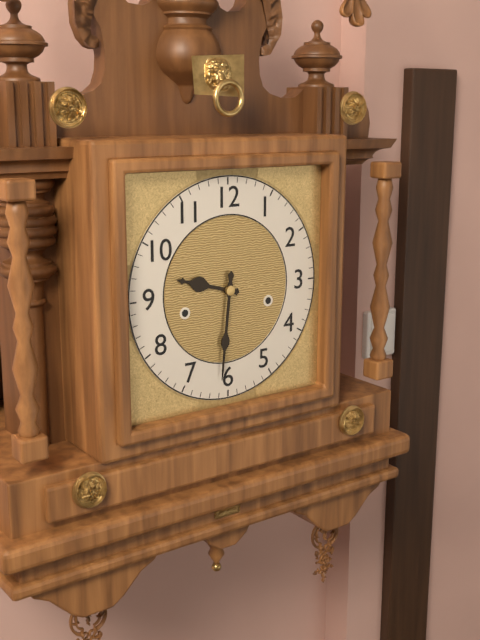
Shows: 9:31
